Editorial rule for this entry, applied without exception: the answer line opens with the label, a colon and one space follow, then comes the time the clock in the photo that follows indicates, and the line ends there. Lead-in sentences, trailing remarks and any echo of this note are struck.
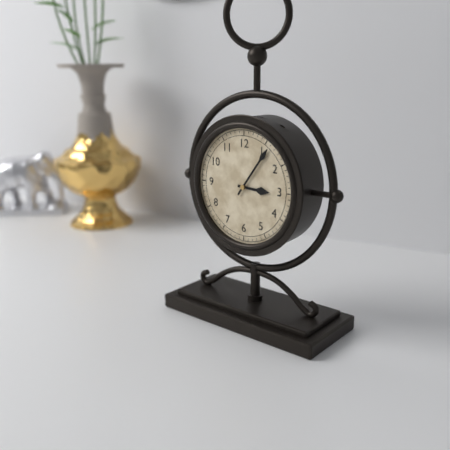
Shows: 3:06
